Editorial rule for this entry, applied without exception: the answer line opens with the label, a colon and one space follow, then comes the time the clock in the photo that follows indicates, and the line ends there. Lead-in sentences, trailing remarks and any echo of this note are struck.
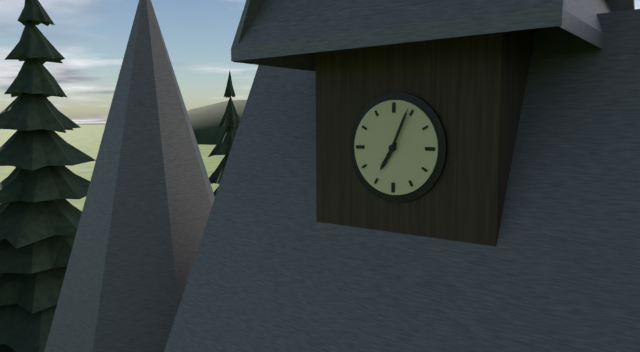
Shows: 7:04
